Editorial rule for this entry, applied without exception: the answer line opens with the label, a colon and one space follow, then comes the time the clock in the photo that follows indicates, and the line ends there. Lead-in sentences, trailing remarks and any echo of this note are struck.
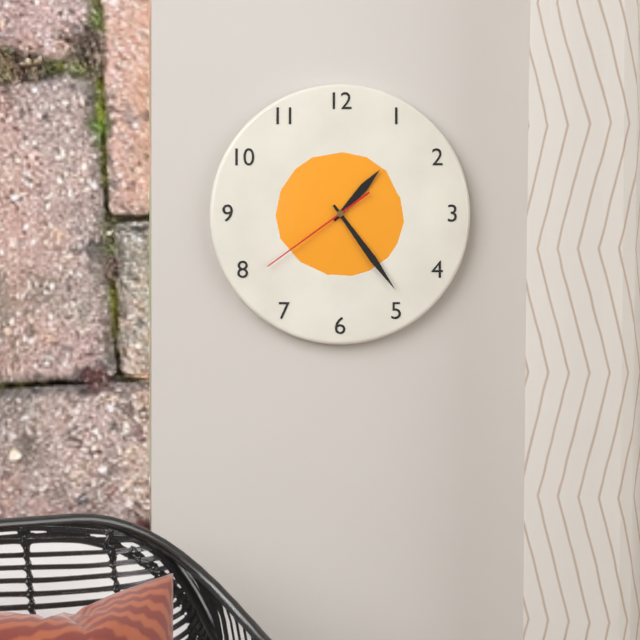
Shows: 1:24:39
